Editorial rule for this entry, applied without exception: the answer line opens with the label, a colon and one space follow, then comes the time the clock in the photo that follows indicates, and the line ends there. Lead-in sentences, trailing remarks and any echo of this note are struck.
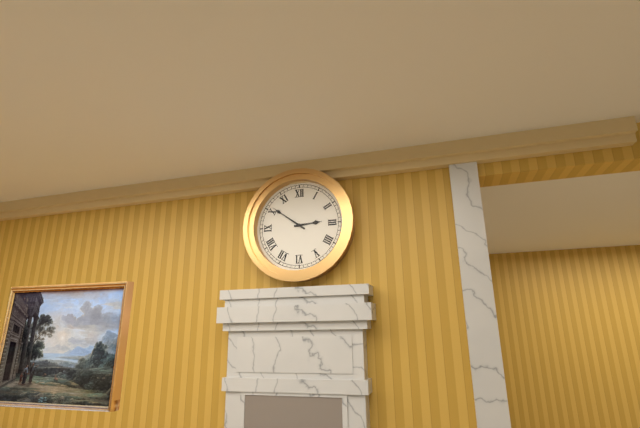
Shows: 2:51
